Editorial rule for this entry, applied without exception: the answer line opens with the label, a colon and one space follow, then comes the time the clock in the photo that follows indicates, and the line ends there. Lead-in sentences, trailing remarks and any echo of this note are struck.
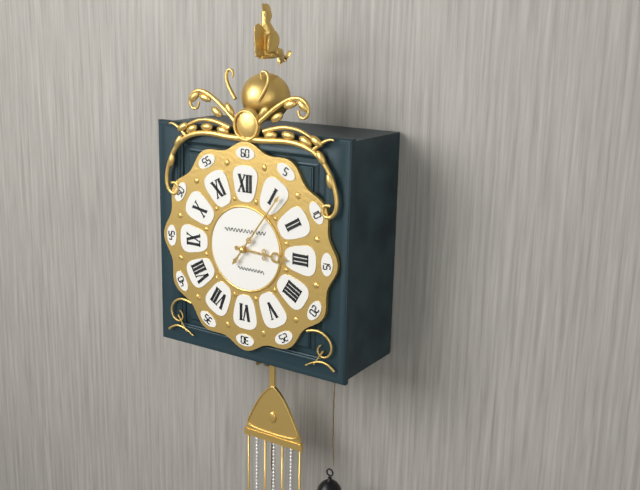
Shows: 3:06
